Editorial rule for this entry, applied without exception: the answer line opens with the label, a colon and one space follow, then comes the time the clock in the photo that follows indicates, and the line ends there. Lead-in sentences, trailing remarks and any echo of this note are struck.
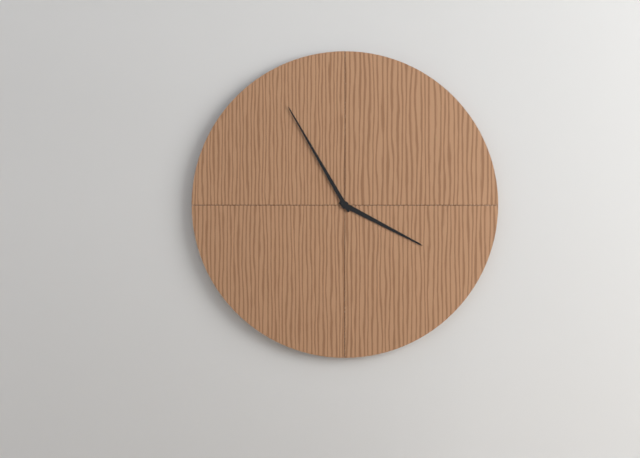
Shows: 3:55
